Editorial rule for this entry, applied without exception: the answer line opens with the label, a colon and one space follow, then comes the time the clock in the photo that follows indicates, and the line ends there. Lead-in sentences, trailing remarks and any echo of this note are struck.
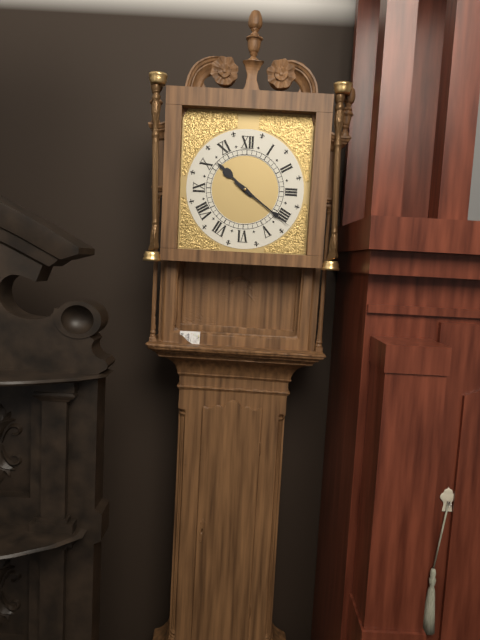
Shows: 10:21
